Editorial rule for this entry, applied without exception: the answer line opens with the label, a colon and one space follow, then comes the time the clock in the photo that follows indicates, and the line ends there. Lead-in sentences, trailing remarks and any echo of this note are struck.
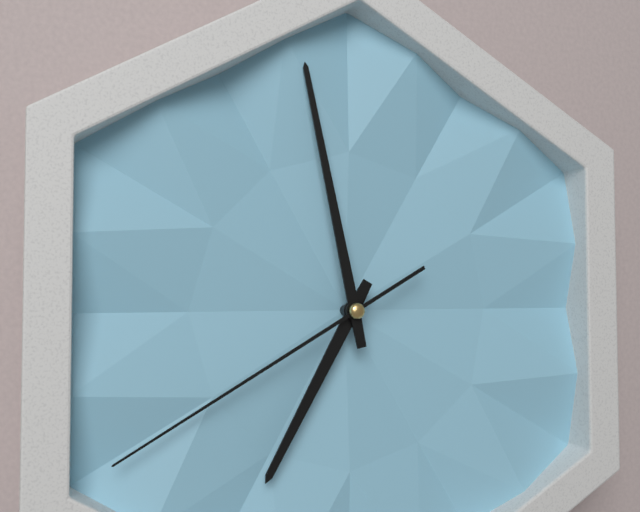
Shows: 6:58:40
